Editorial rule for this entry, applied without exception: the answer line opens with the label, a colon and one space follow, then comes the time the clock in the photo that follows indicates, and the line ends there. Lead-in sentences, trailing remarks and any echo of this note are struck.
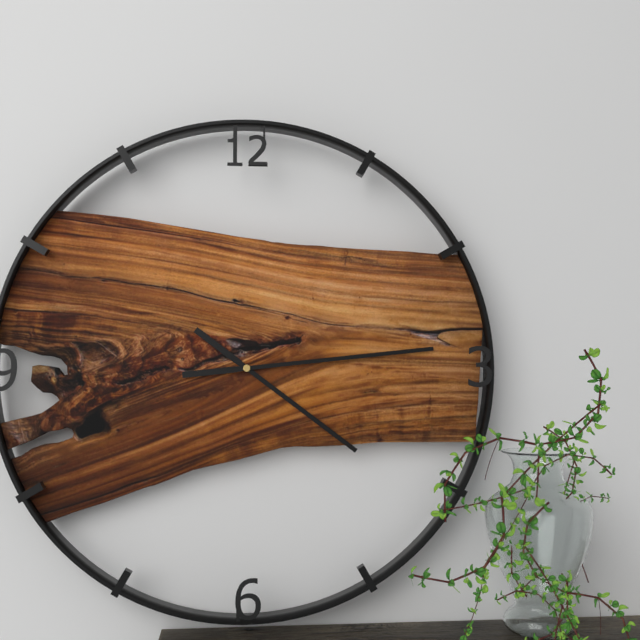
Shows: 4:14
